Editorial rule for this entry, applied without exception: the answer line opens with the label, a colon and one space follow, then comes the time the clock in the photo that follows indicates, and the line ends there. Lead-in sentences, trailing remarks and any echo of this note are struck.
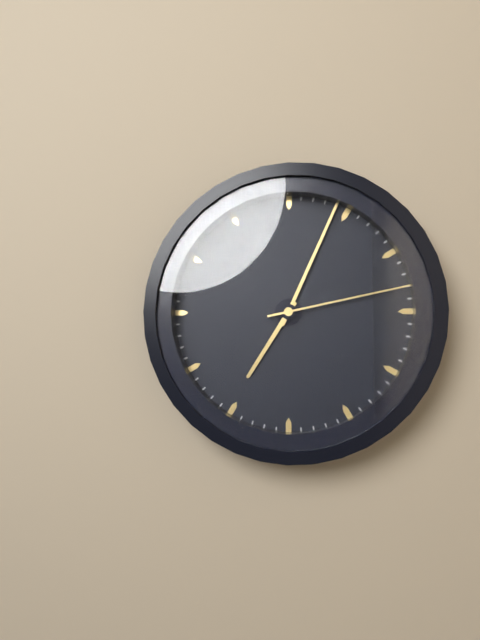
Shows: 7:04:13
